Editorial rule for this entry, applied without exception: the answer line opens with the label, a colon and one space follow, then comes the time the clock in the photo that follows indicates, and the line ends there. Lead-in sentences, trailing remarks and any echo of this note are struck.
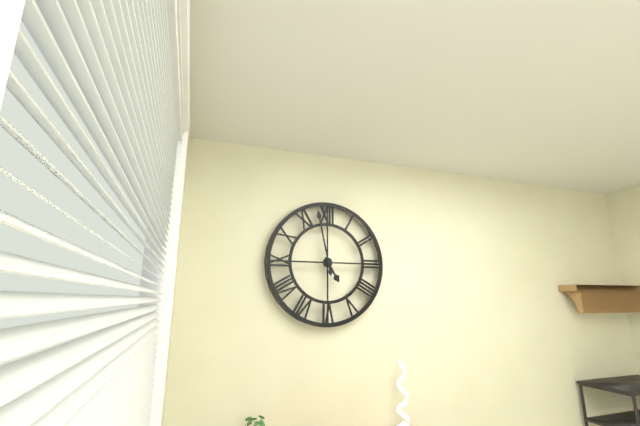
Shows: 4:58
